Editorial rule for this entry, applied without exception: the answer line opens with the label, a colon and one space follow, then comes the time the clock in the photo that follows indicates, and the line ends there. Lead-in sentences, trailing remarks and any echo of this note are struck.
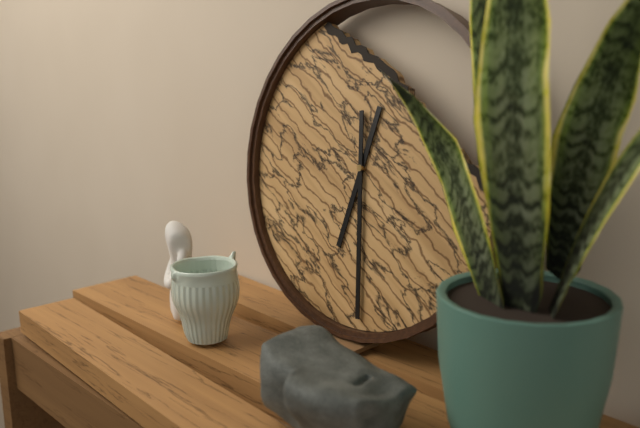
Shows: 6:29
